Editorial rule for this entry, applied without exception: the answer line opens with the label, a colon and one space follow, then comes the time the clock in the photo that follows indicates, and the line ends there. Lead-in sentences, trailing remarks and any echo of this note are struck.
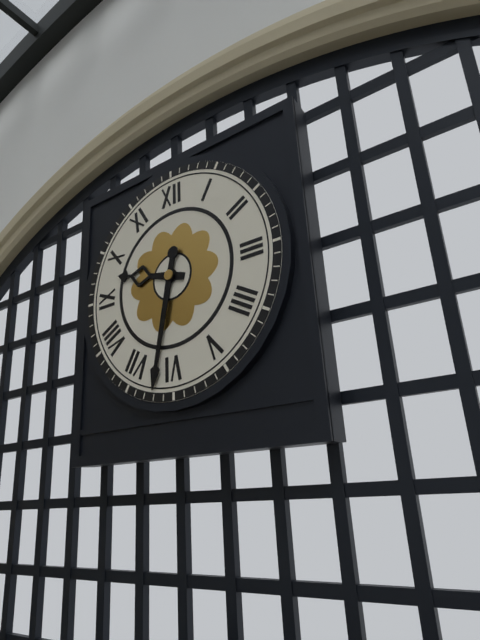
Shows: 9:32
